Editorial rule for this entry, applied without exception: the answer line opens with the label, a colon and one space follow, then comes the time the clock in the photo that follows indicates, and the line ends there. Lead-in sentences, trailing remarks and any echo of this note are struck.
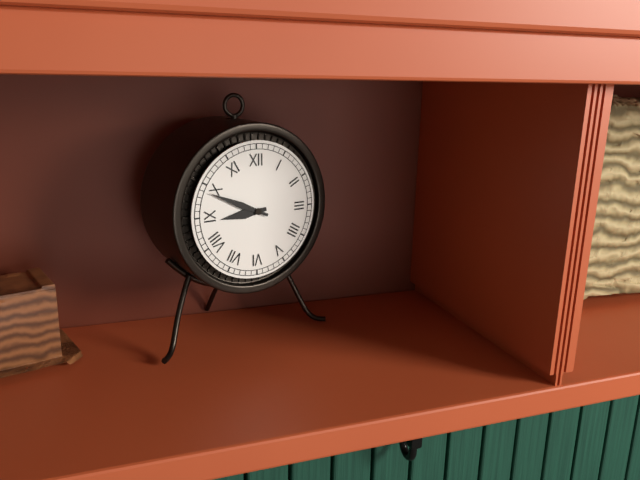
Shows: 8:49
